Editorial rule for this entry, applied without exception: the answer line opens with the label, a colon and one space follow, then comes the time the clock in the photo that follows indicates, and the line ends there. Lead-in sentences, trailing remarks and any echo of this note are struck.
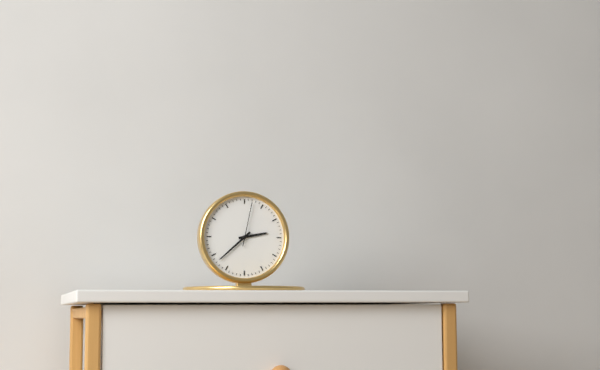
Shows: 2:38
